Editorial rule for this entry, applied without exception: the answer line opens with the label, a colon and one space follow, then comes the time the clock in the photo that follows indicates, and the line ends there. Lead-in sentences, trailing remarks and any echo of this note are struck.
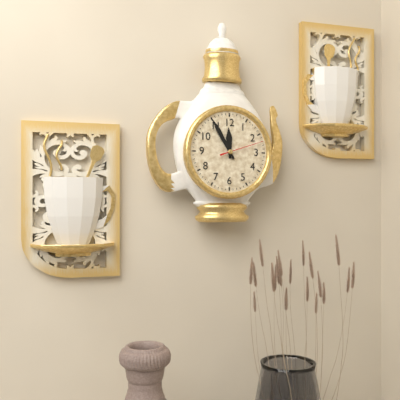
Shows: 11:55
